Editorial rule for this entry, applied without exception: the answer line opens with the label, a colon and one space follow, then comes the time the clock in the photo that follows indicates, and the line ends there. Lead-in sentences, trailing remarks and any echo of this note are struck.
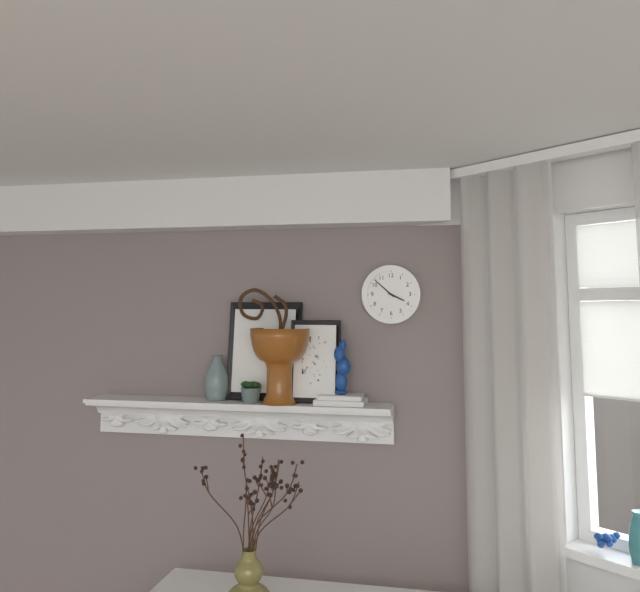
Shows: 3:52
